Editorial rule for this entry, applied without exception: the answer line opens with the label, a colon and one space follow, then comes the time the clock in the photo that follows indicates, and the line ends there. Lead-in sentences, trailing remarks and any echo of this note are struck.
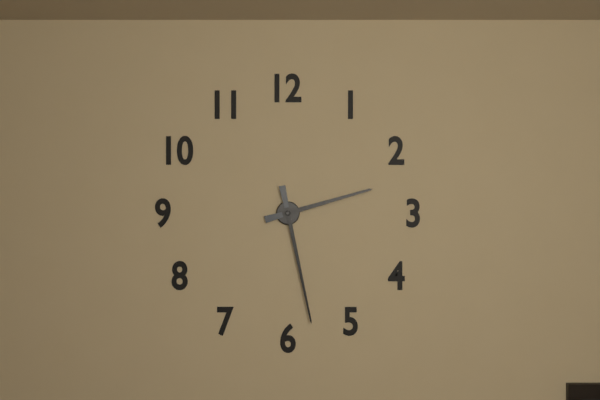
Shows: 2:28
